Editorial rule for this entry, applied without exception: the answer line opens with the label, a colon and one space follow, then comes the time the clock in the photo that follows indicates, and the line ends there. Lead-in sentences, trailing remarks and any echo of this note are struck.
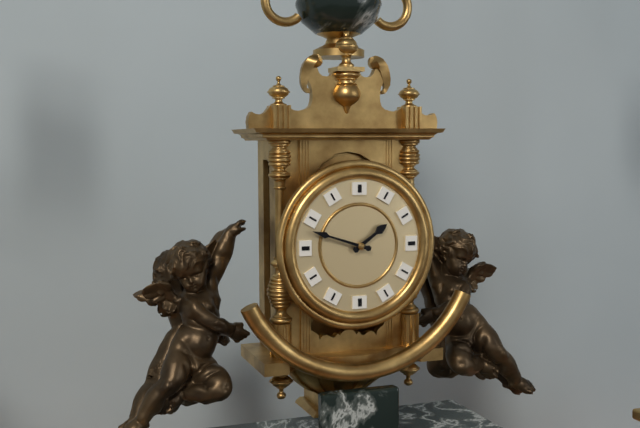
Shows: 1:48
